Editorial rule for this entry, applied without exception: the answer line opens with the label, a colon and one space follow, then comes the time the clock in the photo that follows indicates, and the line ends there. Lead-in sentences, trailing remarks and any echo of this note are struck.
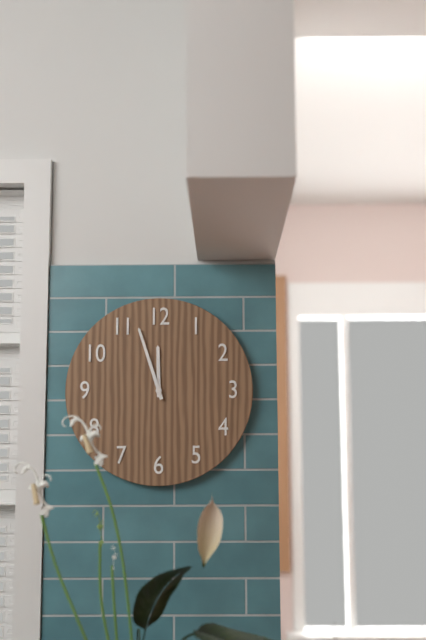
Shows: 11:57
